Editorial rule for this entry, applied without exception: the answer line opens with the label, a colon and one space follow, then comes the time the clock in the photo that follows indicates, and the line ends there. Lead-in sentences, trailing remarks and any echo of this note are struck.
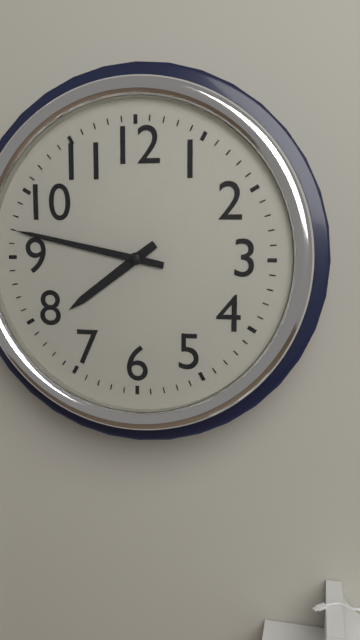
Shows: 7:47
